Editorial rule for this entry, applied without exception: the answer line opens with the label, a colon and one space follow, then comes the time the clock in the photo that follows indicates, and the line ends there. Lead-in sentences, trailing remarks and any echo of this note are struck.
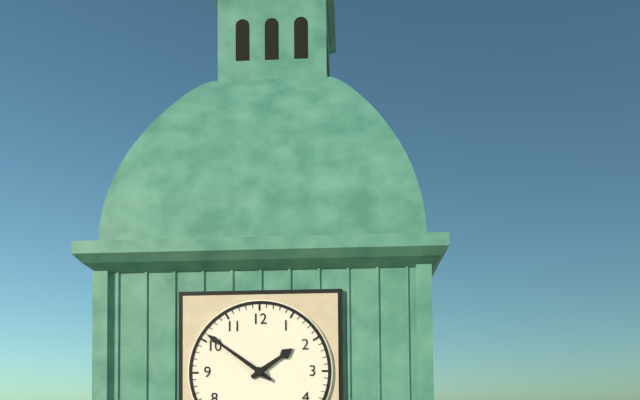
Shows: 1:51
